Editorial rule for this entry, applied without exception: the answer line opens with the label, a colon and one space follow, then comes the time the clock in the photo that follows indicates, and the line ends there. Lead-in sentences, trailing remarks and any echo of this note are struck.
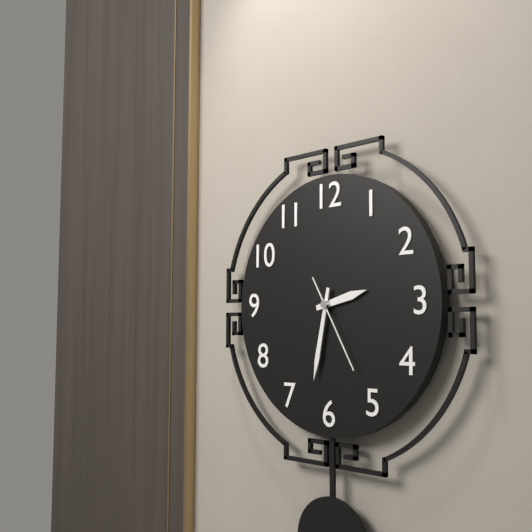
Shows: 2:32:25
